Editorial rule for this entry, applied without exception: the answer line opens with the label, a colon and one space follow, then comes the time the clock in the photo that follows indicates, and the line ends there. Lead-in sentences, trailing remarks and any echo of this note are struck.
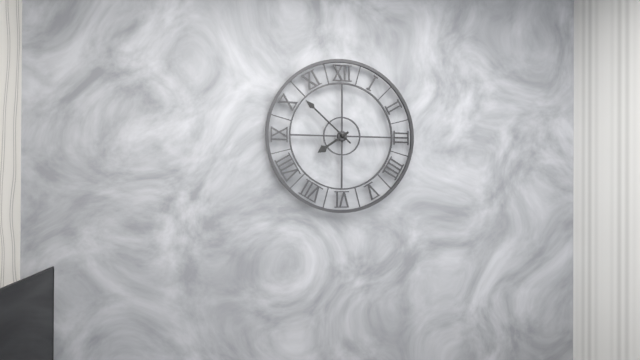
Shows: 7:52
